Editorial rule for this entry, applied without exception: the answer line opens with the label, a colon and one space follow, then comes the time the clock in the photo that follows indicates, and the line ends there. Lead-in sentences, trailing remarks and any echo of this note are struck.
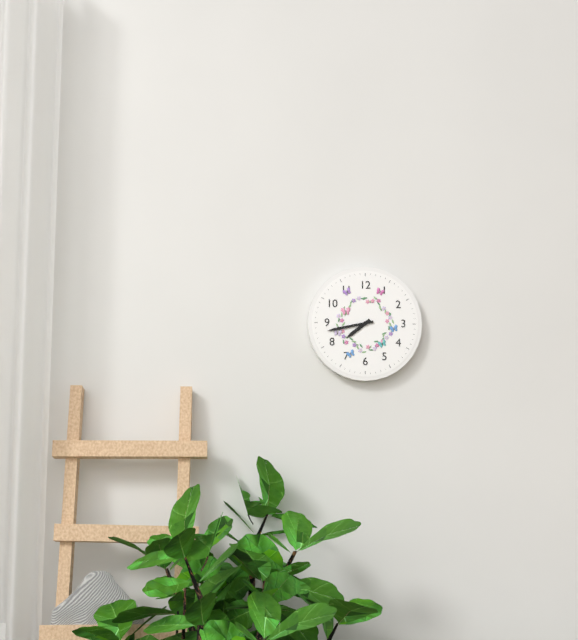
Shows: 7:43
